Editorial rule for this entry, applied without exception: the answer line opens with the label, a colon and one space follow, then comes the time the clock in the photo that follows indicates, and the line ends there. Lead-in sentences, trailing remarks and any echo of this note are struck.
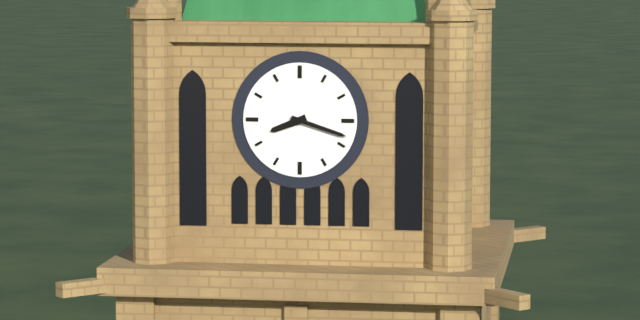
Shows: 8:18
